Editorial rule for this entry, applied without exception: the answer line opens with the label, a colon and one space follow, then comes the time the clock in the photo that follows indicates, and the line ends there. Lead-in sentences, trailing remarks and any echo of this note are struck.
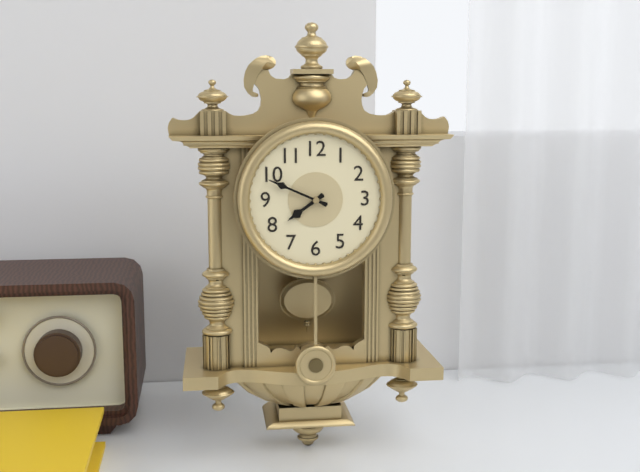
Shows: 7:49
